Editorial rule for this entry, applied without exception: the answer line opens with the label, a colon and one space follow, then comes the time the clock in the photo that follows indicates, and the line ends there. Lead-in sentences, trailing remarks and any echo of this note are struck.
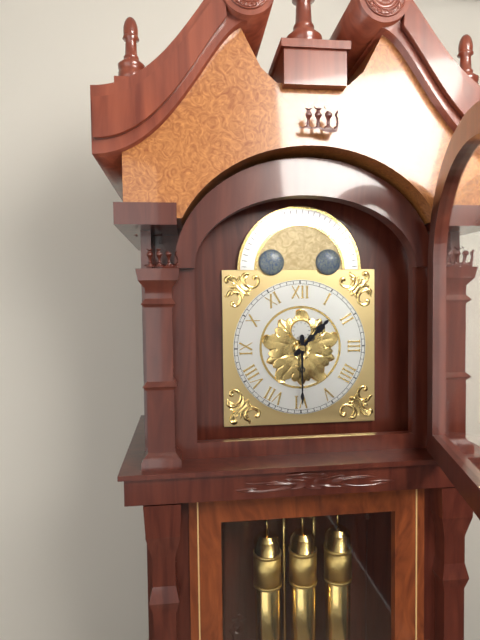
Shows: 1:30
